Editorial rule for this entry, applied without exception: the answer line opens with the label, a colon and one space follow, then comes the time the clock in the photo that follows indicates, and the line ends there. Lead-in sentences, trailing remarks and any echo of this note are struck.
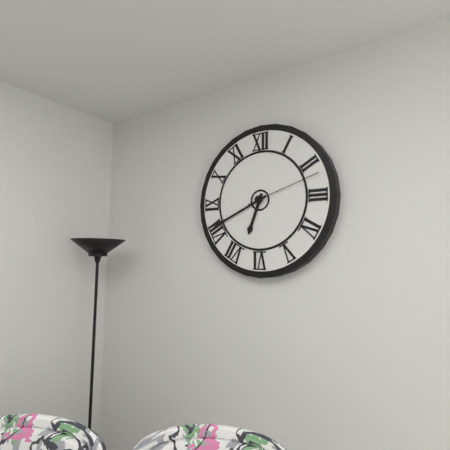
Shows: 6:41:12
